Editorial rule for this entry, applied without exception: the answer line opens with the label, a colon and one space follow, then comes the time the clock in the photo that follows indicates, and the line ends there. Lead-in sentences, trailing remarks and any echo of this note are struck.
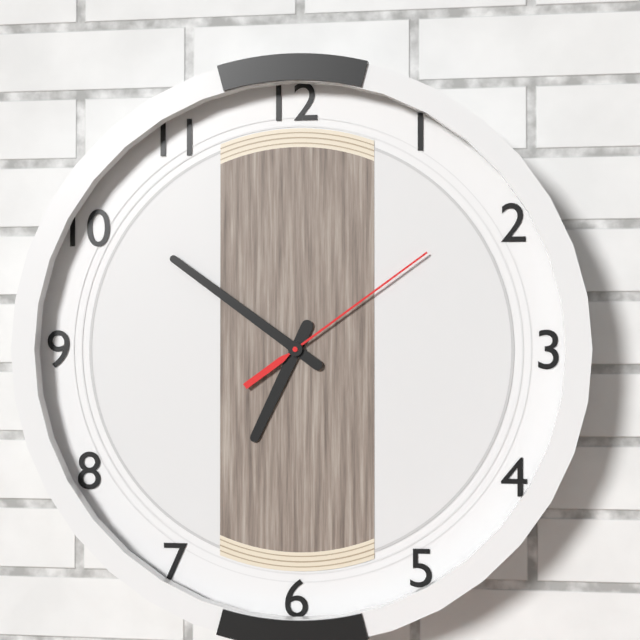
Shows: 6:51:09
